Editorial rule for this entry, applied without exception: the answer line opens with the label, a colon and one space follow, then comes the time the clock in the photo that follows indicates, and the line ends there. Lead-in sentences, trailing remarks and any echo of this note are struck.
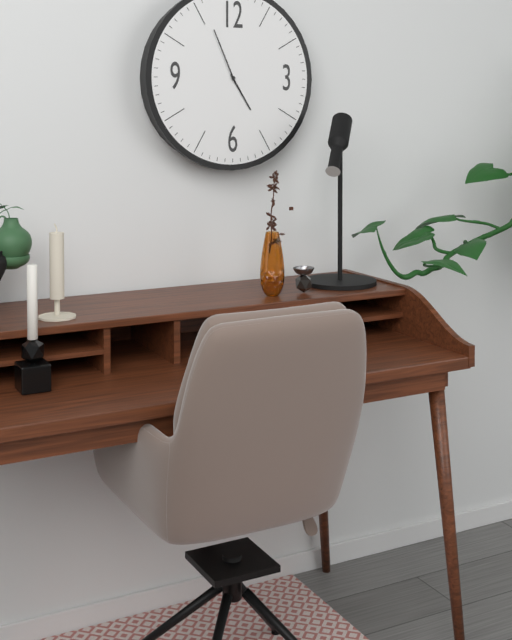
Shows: 4:56
